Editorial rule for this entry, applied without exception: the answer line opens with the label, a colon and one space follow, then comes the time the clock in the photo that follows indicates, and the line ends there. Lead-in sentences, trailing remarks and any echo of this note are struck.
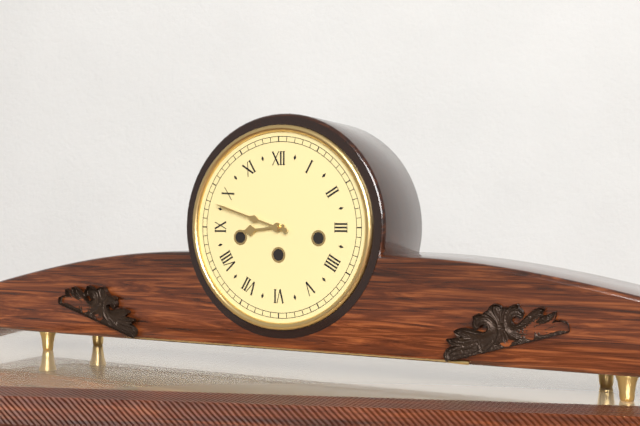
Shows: 8:48
